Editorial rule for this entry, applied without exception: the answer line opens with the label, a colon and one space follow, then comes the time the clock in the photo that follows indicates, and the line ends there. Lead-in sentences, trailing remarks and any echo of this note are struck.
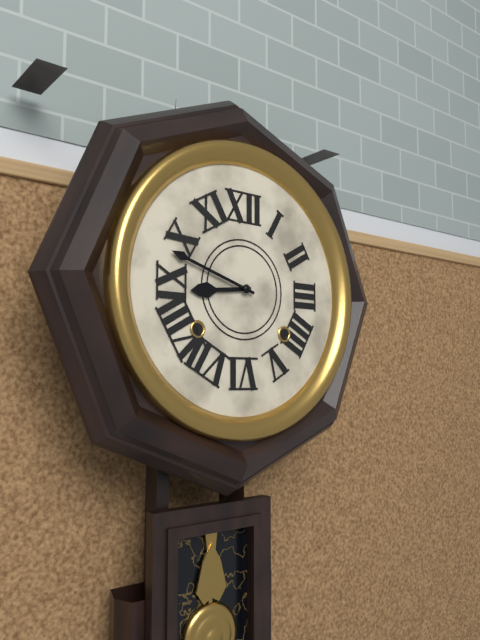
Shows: 8:48
